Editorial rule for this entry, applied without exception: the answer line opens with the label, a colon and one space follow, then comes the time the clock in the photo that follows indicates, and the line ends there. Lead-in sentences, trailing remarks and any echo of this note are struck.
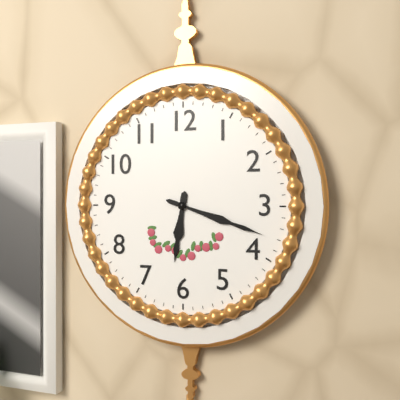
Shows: 6:18
